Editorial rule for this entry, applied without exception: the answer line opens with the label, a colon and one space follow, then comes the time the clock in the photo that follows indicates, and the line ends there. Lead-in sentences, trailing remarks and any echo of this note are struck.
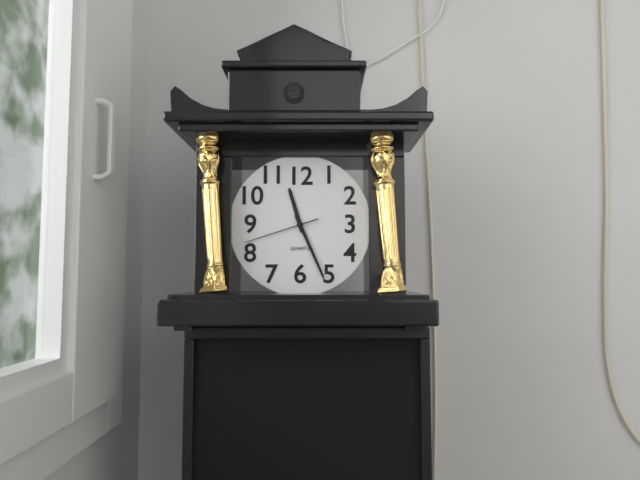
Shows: 11:26:42
